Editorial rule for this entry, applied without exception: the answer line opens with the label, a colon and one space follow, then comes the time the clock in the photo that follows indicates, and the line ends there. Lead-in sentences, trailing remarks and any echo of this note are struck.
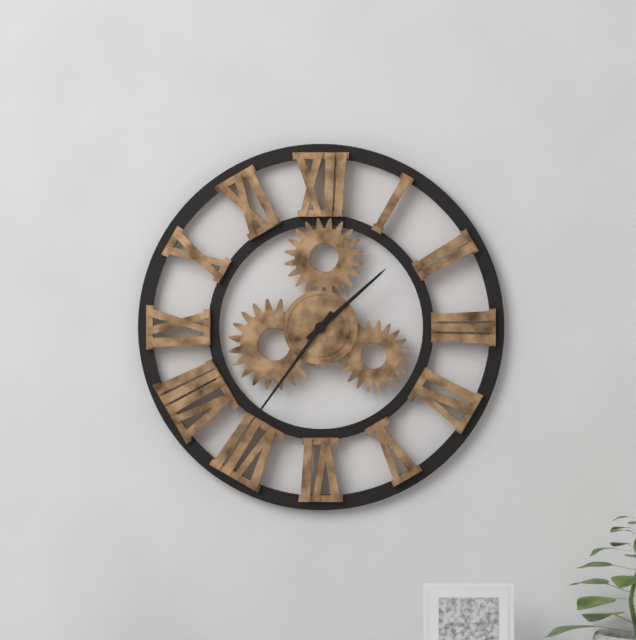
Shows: 1:36
